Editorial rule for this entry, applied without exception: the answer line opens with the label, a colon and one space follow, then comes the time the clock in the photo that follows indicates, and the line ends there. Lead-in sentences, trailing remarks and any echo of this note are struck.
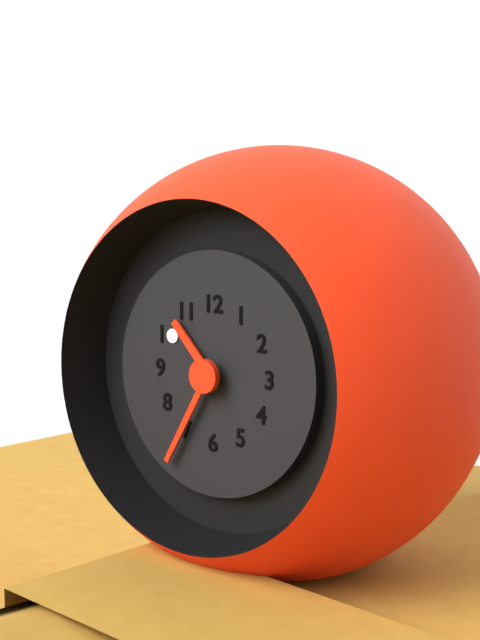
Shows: 10:35
